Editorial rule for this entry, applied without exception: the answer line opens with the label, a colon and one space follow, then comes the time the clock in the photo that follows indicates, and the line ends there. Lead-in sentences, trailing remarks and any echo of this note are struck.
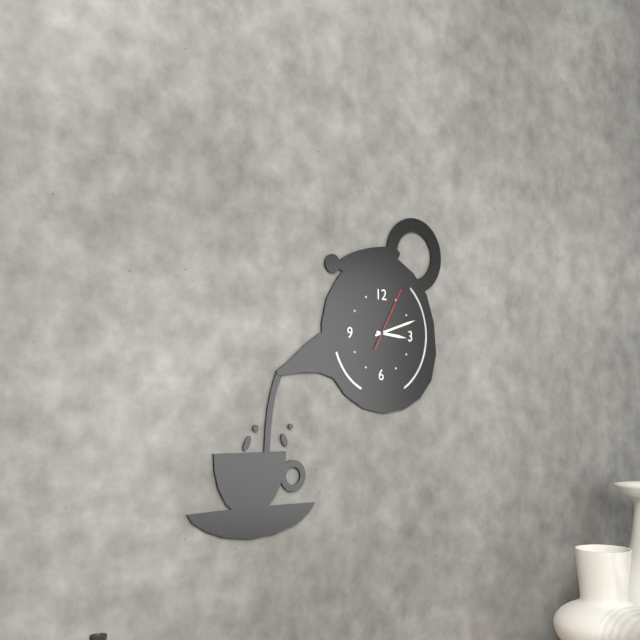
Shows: 3:12:05
